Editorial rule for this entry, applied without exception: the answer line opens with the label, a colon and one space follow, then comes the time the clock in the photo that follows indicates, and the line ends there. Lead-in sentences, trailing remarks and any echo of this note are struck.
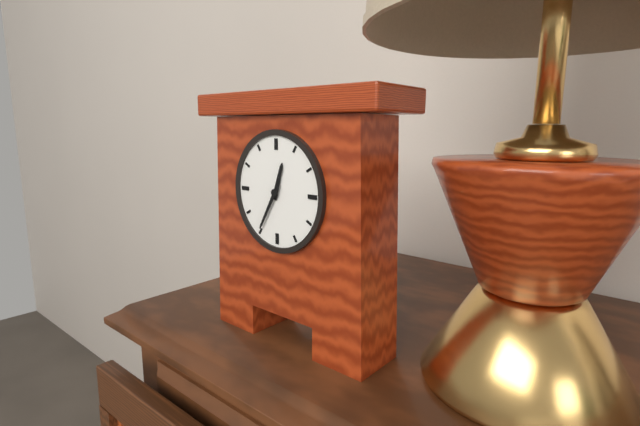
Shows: 12:35
